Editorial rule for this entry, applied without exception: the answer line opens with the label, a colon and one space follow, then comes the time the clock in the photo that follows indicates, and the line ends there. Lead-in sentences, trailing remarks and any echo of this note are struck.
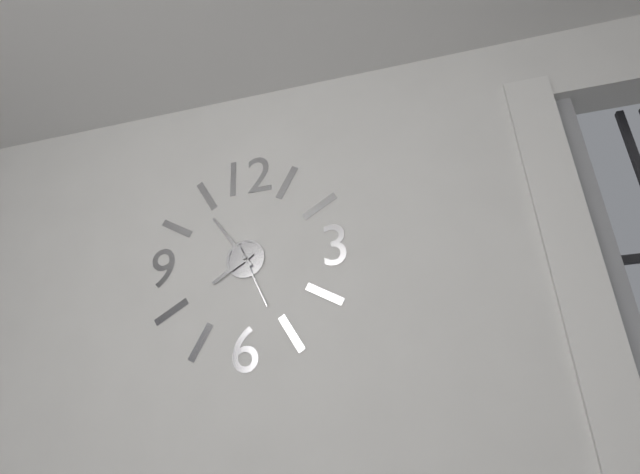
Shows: 7:54:26
